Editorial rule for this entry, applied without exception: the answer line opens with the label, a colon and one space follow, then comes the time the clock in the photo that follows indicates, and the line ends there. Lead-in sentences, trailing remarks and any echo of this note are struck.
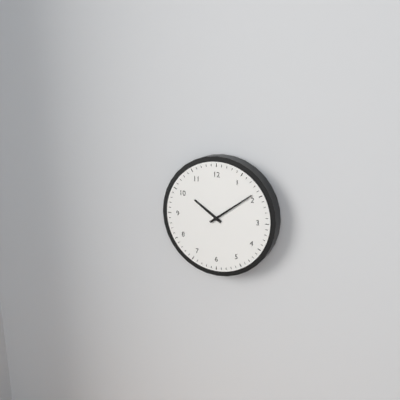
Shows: 10:09
